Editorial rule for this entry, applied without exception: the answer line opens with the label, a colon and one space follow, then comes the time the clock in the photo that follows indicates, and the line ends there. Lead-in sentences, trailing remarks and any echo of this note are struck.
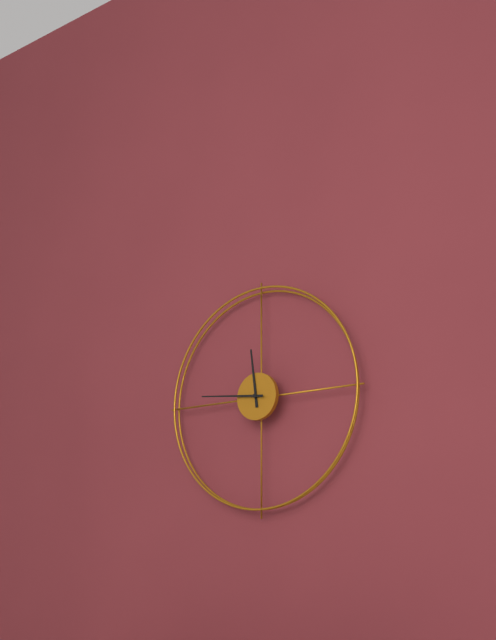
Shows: 11:46
